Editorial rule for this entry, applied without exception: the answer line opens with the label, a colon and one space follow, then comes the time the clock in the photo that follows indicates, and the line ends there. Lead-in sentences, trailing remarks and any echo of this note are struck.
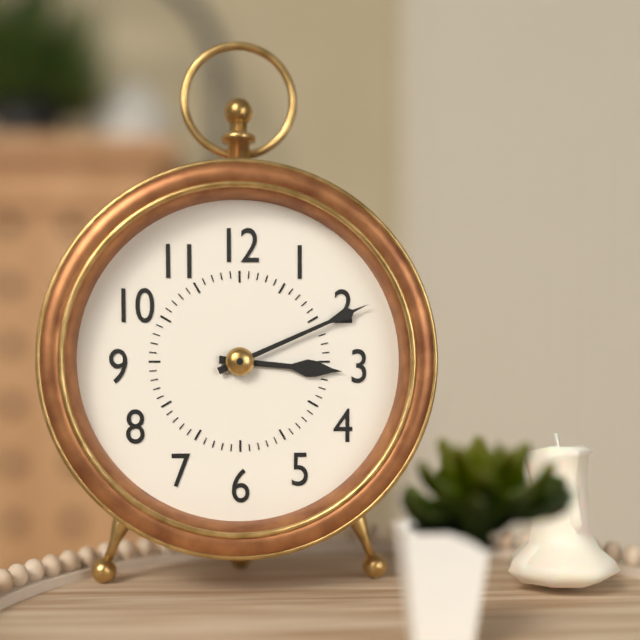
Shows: 3:11
